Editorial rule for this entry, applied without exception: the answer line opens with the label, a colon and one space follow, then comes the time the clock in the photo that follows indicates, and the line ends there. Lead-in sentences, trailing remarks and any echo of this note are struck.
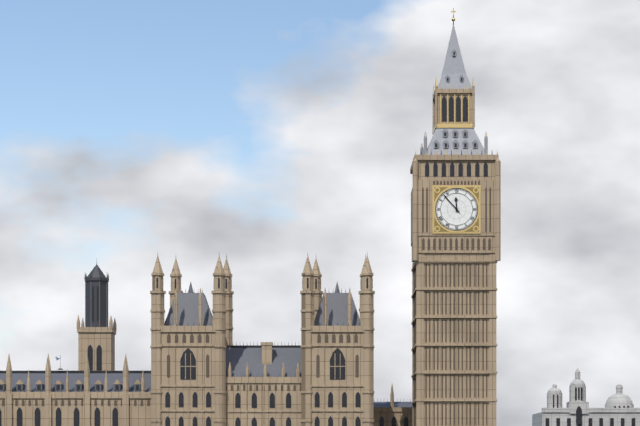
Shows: 11:53
